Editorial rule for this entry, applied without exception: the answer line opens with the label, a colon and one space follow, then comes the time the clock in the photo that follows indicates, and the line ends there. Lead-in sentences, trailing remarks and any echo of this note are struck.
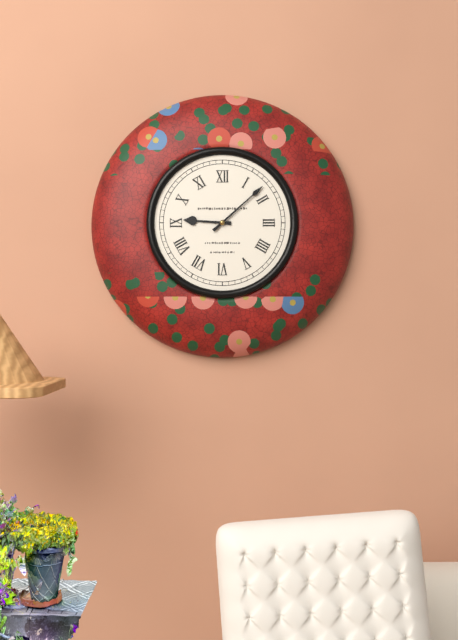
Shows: 9:08
